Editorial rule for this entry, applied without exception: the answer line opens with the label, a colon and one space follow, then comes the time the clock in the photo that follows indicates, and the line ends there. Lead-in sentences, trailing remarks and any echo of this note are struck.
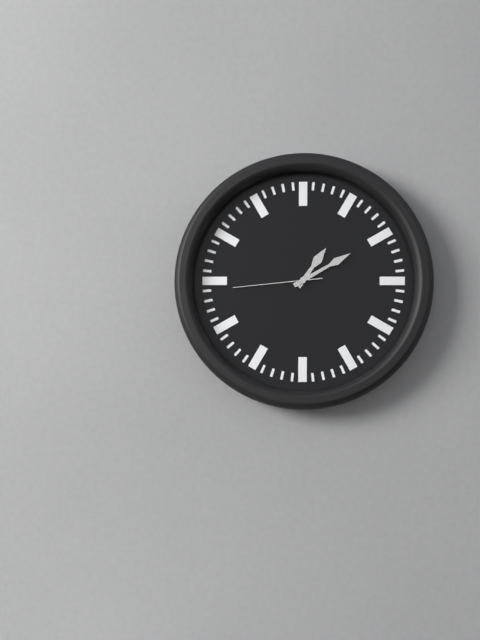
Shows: 1:10:44
